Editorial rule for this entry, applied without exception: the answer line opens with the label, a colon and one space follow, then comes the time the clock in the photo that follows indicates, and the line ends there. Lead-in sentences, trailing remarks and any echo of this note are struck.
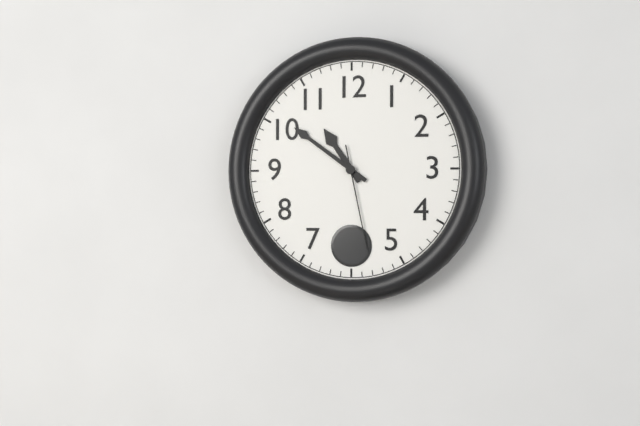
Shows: 10:51:28
